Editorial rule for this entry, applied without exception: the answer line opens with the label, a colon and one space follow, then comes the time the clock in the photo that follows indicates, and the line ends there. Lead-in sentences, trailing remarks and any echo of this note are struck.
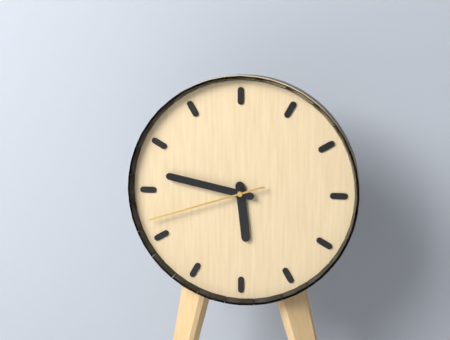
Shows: 5:47:42
